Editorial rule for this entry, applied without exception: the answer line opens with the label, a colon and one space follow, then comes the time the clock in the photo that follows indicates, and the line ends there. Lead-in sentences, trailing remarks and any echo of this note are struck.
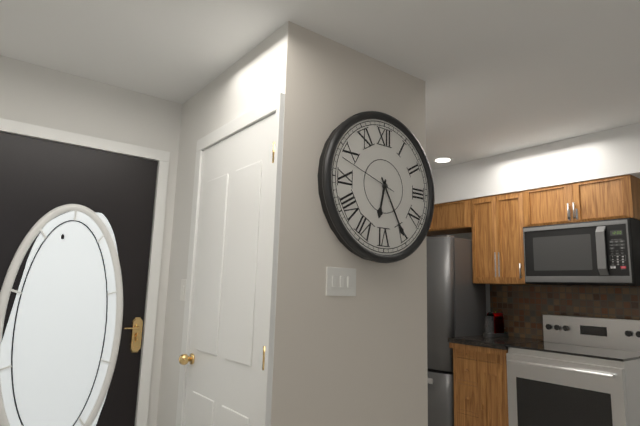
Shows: 6:25:48
